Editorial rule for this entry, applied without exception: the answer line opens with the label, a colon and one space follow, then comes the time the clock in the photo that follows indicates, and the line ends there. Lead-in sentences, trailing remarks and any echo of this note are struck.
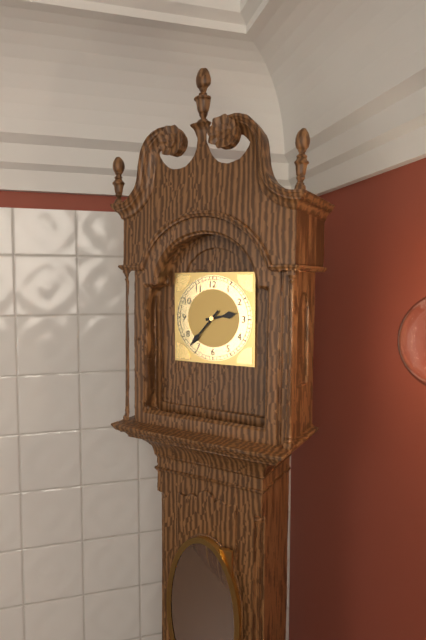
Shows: 2:37
